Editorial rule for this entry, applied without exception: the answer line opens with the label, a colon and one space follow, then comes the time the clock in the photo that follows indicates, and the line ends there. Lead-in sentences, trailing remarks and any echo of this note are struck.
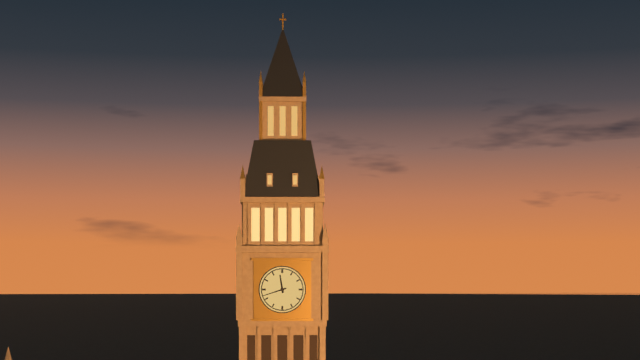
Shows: 11:42
